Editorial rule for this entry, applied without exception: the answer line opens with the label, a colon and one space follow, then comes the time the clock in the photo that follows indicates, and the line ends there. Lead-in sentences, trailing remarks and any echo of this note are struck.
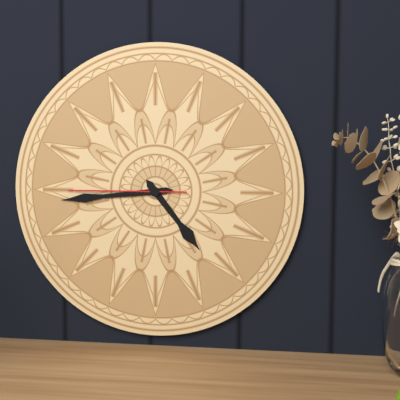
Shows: 4:44:45
